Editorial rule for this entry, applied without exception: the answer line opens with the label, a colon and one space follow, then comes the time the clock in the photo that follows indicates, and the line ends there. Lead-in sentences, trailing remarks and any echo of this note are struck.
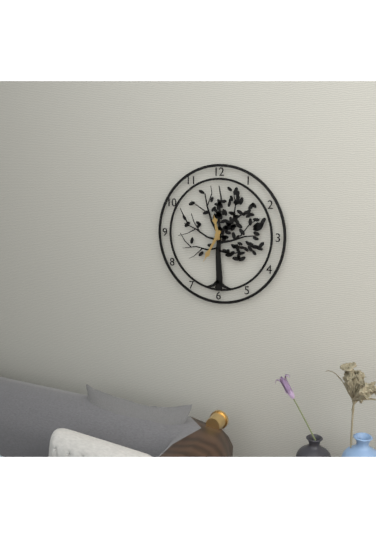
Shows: 11:35
